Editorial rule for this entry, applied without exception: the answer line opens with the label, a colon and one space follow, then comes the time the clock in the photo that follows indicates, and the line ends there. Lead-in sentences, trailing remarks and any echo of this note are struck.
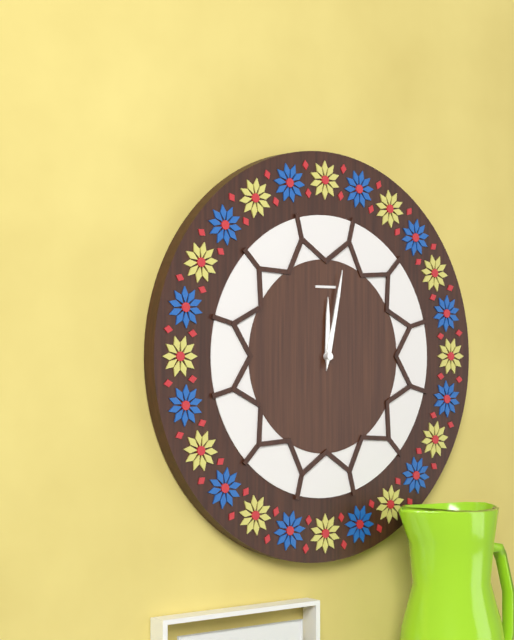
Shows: 12:02
